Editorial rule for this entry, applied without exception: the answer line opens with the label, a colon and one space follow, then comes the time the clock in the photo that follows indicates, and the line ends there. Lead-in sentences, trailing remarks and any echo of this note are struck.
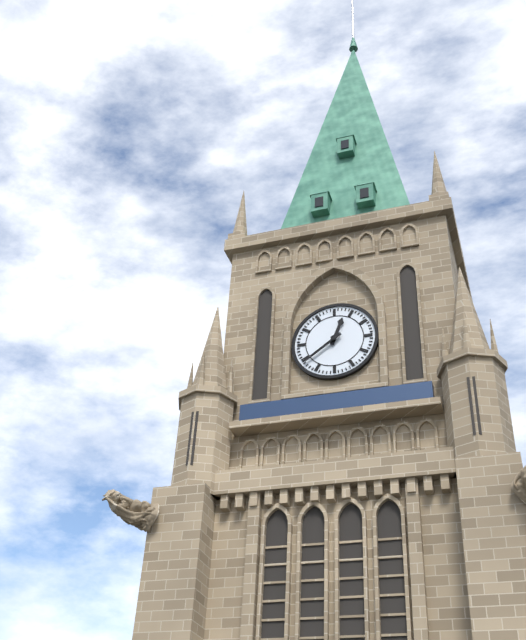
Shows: 12:39
